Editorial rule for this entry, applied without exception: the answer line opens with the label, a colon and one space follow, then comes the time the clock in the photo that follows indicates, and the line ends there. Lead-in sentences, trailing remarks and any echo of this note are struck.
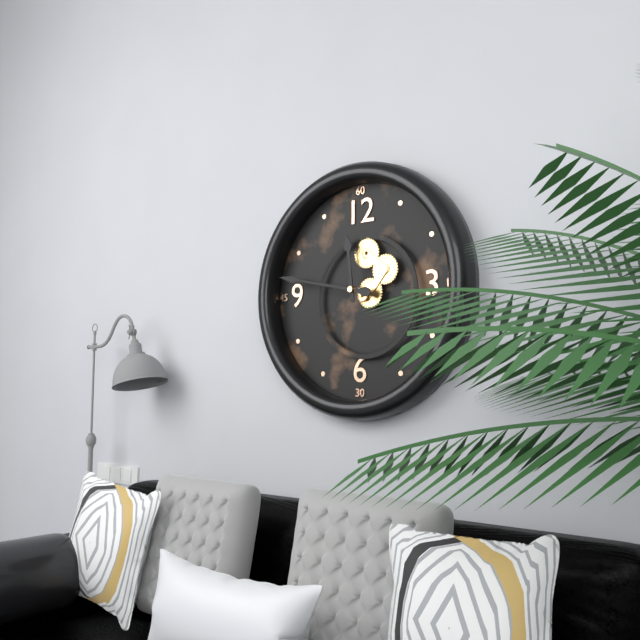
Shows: 11:47
